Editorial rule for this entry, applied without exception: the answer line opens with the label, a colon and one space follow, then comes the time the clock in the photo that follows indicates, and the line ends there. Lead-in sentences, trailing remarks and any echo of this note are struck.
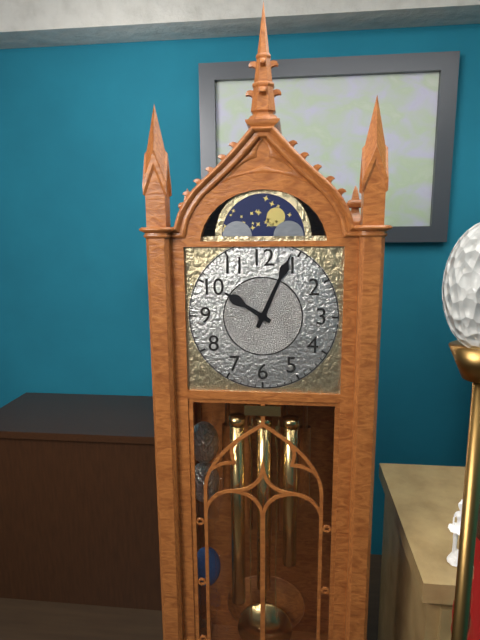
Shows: 10:04
